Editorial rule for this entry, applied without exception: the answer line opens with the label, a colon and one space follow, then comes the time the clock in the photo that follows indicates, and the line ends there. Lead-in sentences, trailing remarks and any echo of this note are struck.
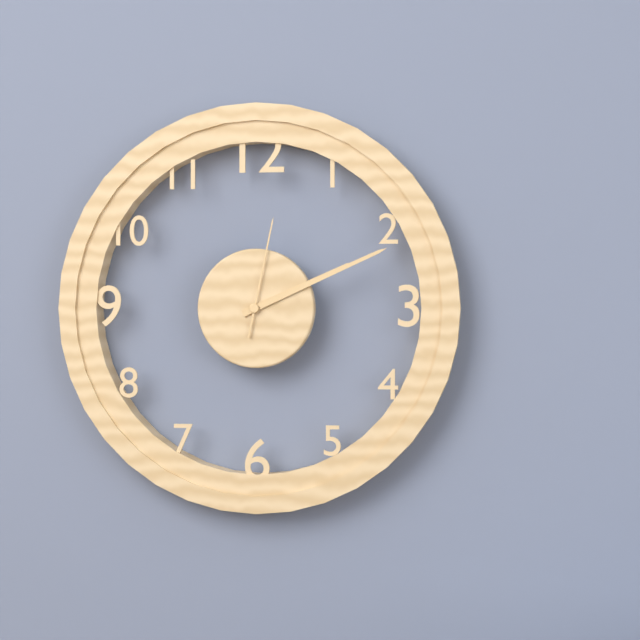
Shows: 2:11:02
